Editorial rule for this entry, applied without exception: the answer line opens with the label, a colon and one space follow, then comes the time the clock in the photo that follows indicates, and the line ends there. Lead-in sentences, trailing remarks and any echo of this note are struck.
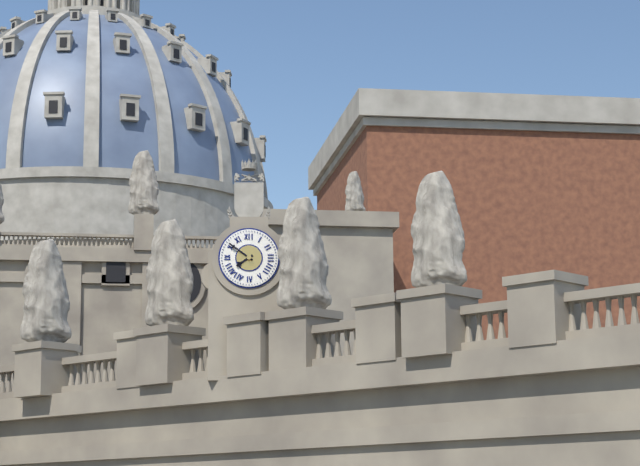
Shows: 7:51
